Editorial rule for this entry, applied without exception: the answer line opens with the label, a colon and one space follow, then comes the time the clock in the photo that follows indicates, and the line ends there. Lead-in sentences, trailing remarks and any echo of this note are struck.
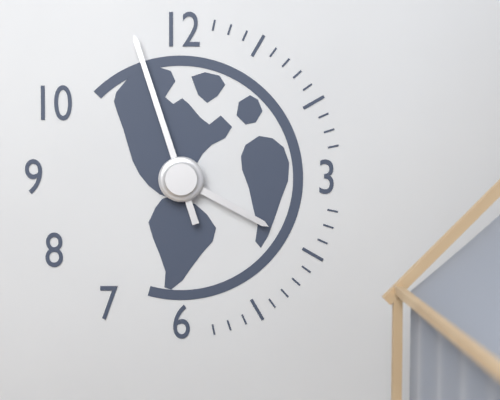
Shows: 3:57
